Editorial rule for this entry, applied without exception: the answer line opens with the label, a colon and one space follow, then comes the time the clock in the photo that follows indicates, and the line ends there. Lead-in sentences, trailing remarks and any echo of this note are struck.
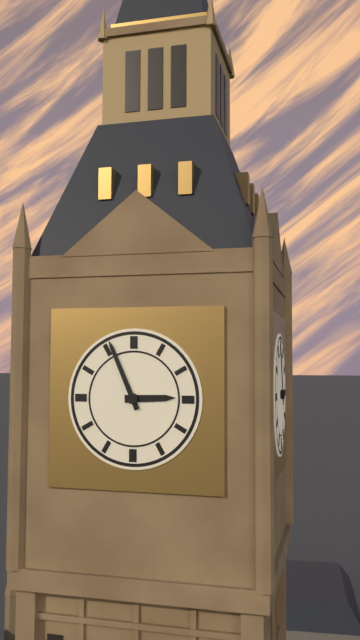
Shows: 2:56
